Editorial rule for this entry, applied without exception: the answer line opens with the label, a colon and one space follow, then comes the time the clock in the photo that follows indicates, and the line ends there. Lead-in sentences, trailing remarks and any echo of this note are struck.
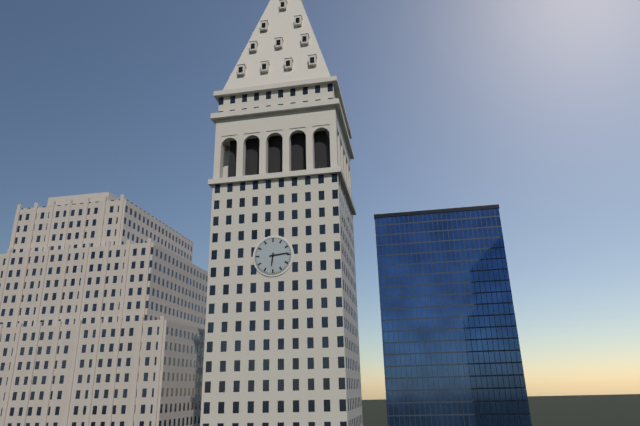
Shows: 6:14
